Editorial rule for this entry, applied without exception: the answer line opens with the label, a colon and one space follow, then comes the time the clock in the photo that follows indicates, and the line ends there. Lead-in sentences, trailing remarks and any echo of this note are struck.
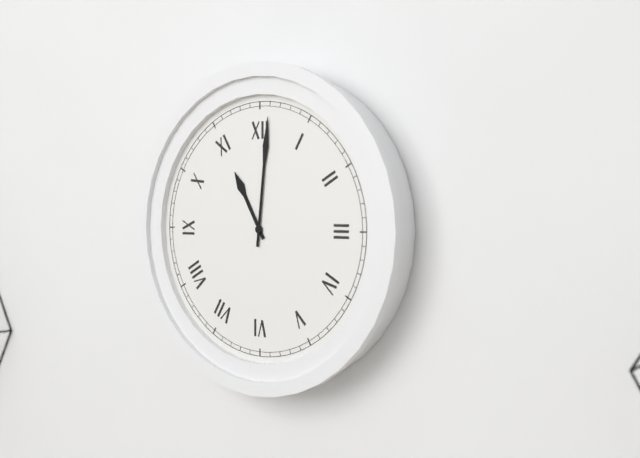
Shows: 11:01
